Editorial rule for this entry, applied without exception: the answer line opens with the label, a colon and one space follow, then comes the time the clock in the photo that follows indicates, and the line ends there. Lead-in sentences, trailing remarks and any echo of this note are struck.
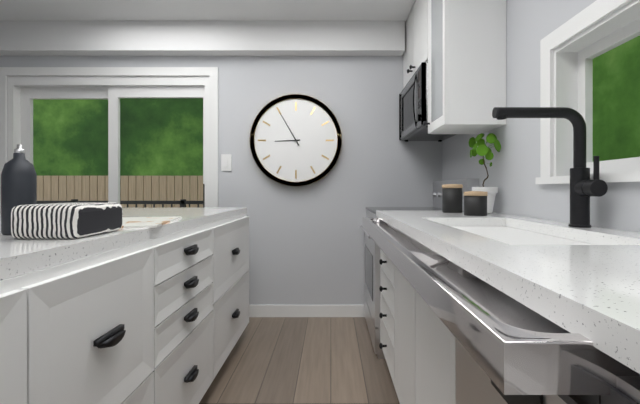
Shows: 8:55
